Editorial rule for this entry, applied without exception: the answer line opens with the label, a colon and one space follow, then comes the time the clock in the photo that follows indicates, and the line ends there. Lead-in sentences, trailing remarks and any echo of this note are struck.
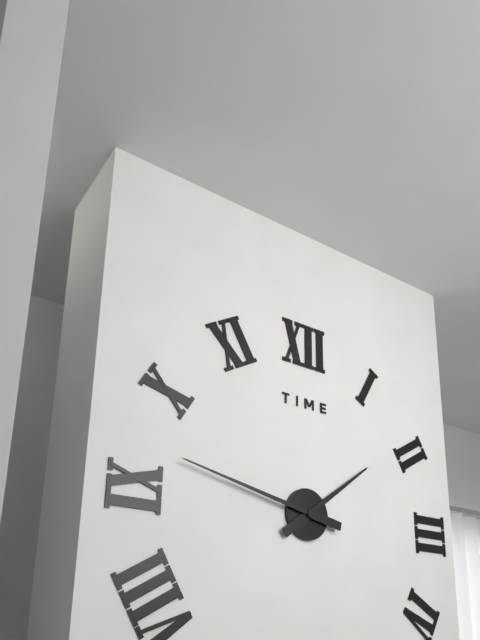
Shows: 1:47
